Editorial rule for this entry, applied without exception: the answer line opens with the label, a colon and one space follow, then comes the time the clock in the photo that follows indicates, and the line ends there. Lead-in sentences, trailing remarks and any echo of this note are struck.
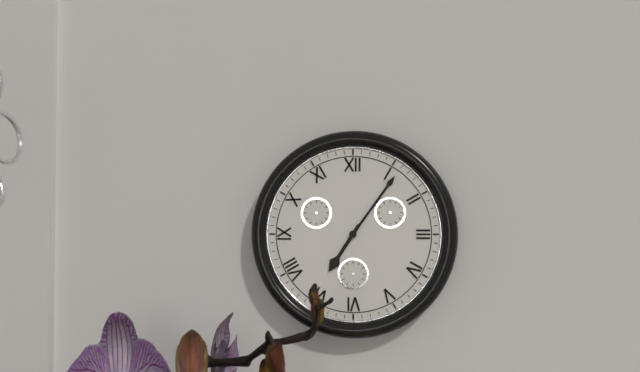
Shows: 7:06
